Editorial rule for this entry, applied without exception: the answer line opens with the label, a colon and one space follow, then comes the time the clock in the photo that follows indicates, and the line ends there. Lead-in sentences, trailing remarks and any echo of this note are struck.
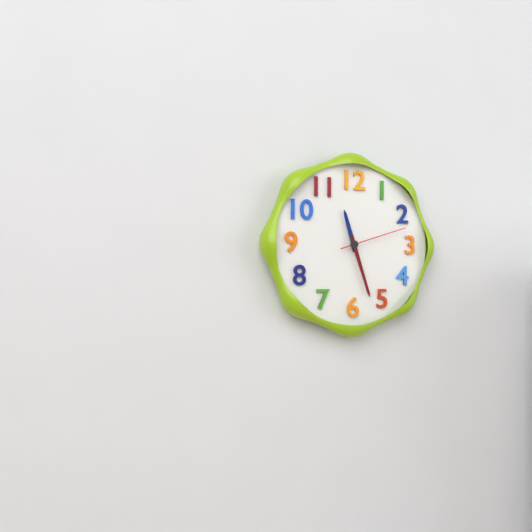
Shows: 11:27:12
